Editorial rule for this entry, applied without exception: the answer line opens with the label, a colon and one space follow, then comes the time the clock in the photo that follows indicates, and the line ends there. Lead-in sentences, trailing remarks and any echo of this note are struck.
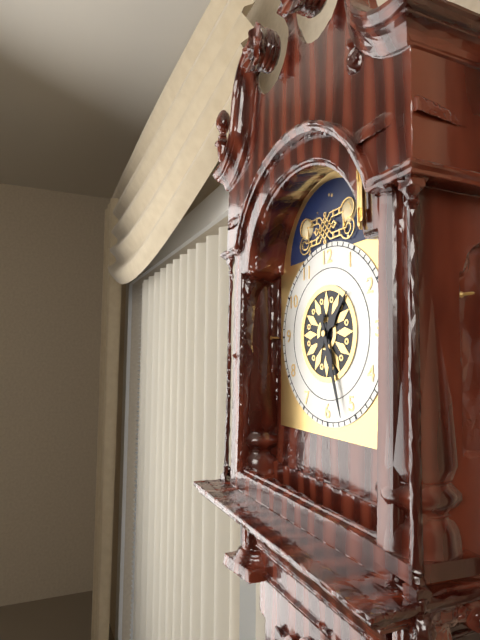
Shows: 1:27
